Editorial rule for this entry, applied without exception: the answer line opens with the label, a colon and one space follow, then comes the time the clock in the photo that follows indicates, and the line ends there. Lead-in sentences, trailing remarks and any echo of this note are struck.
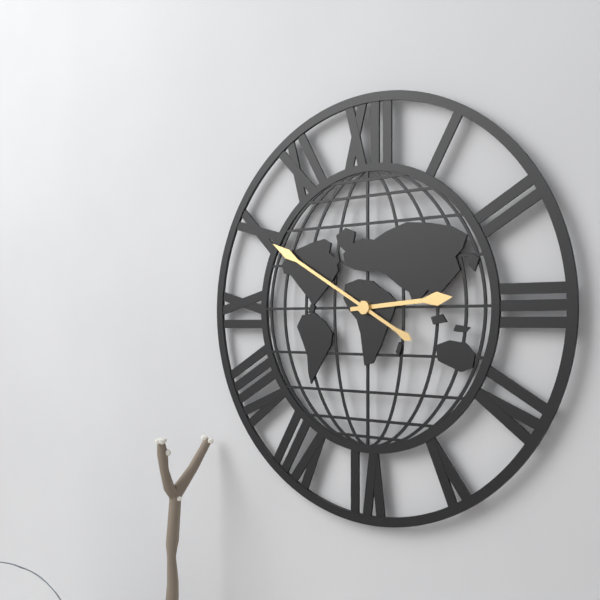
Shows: 2:50
